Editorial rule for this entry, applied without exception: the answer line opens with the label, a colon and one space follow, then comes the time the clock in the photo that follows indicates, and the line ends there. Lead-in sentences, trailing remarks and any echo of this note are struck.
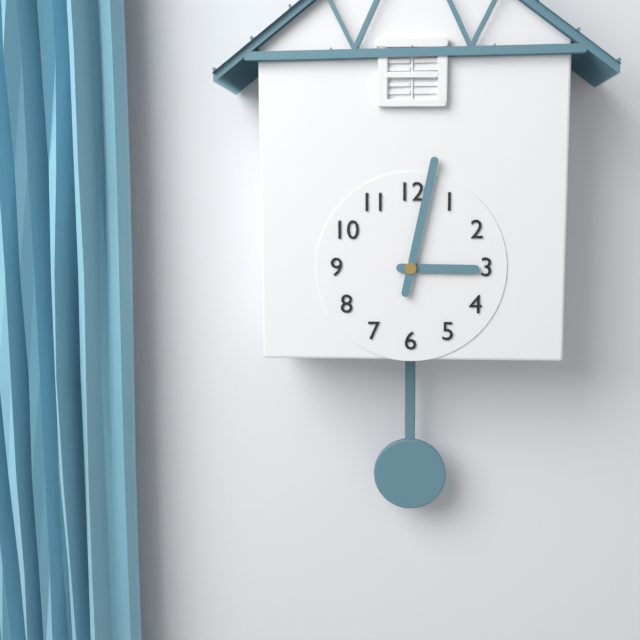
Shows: 3:02
